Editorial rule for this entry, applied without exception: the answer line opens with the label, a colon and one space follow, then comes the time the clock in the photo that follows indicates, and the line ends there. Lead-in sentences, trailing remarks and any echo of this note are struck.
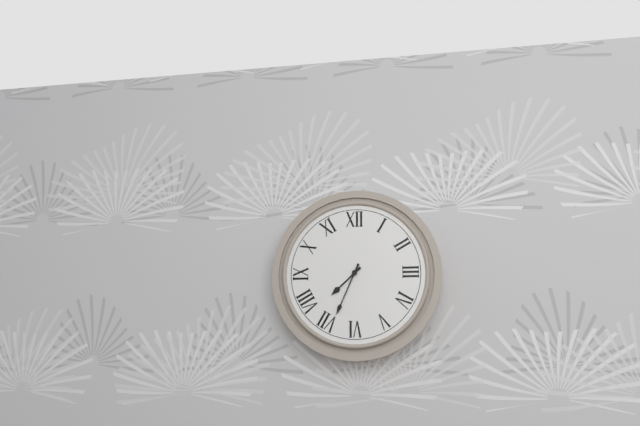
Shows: 7:34
